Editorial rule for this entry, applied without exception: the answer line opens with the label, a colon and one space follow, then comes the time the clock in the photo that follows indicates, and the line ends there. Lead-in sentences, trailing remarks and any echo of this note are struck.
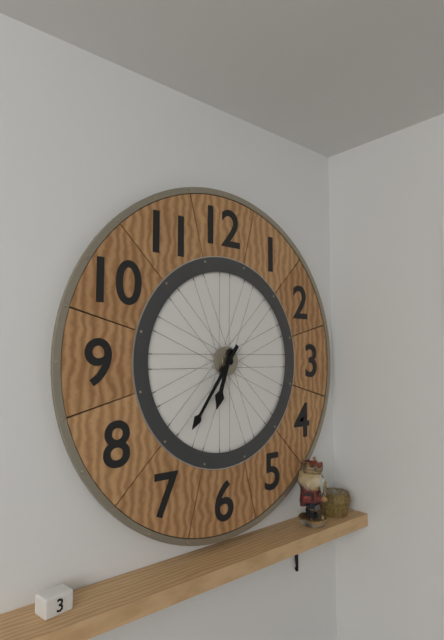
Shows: 6:36
